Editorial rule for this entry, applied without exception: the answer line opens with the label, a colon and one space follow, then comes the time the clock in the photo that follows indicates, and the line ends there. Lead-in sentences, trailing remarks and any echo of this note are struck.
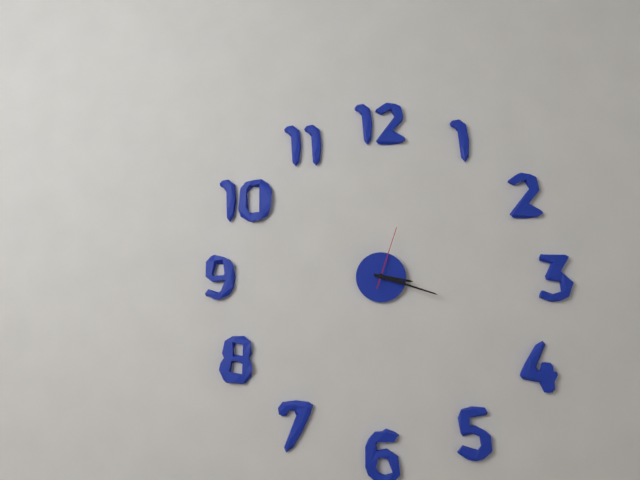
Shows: 3:18:03
